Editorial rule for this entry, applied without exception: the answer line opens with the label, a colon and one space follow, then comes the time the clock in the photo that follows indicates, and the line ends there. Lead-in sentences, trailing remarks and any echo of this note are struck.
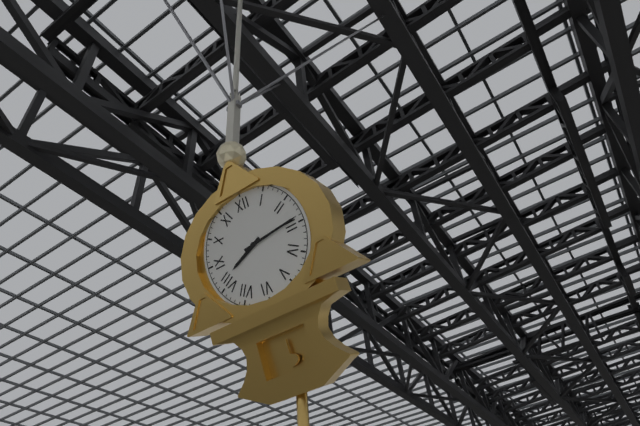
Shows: 8:14
